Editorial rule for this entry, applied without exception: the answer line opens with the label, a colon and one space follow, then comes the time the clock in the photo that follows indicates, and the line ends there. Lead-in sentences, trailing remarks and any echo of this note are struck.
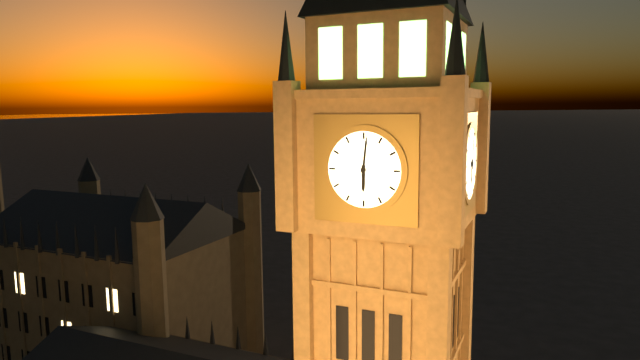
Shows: 6:01
